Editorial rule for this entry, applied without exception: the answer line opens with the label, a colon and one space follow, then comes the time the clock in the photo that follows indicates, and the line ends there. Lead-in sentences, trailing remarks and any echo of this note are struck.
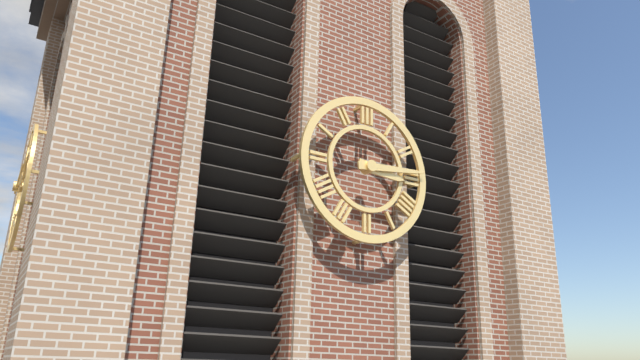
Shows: 3:14
